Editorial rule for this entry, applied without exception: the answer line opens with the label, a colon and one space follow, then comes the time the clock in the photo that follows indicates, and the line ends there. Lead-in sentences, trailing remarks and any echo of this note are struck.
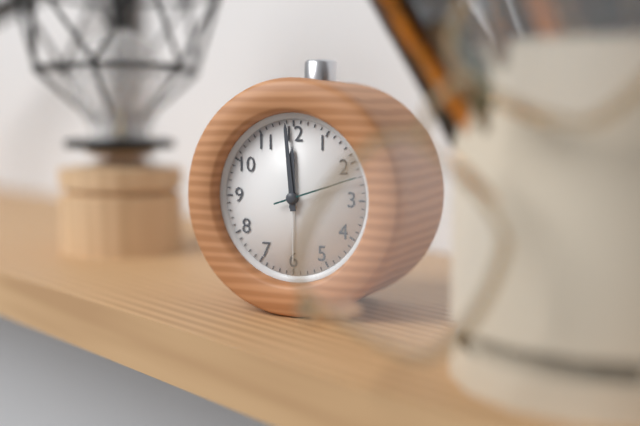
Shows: 11:59:12
